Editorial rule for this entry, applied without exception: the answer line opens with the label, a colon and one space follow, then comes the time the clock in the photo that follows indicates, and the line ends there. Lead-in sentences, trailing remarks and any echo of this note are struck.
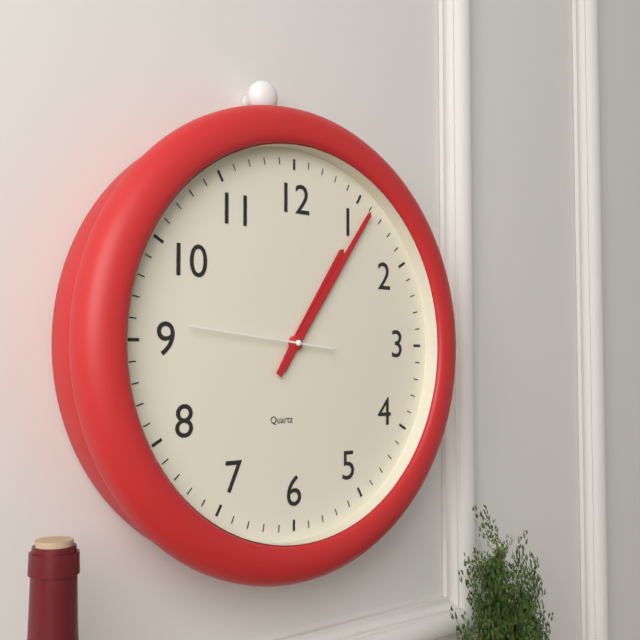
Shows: 1:06:46
